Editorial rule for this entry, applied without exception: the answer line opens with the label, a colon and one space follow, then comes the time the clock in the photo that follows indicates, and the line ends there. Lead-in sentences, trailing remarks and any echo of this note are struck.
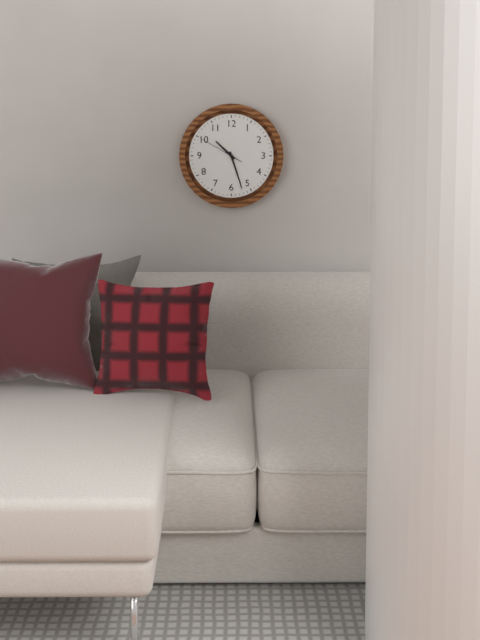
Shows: 10:27
